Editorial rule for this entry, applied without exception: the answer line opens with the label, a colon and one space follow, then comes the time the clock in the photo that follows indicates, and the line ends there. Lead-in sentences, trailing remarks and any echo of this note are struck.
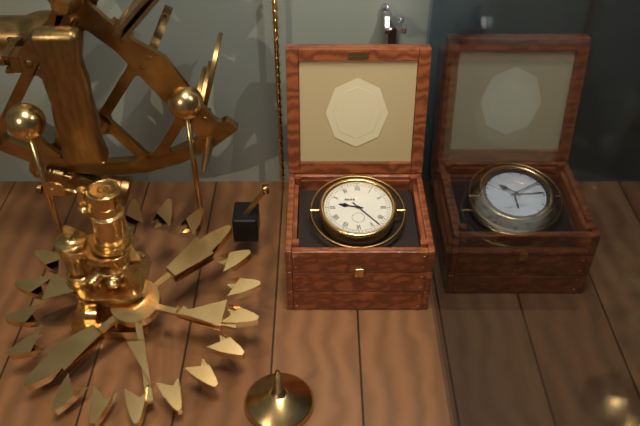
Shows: 9:23
